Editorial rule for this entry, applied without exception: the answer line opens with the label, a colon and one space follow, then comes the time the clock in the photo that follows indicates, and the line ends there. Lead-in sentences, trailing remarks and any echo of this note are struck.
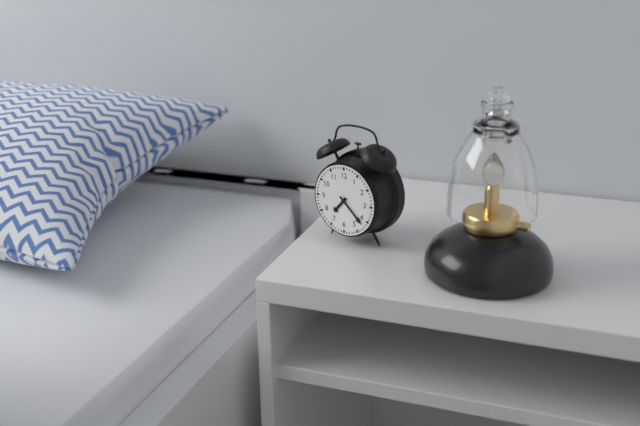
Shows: 7:22
